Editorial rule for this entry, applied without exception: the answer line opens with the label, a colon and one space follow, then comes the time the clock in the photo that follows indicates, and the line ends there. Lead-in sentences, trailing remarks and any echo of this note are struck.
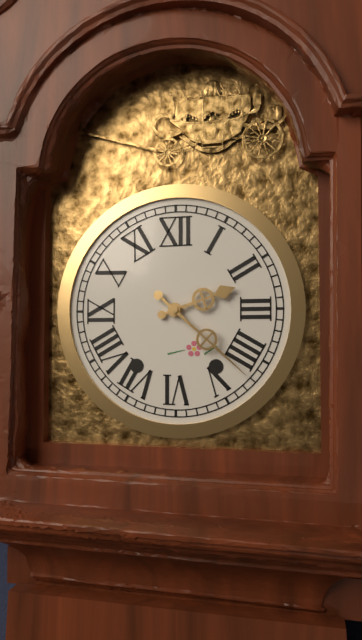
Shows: 2:22
